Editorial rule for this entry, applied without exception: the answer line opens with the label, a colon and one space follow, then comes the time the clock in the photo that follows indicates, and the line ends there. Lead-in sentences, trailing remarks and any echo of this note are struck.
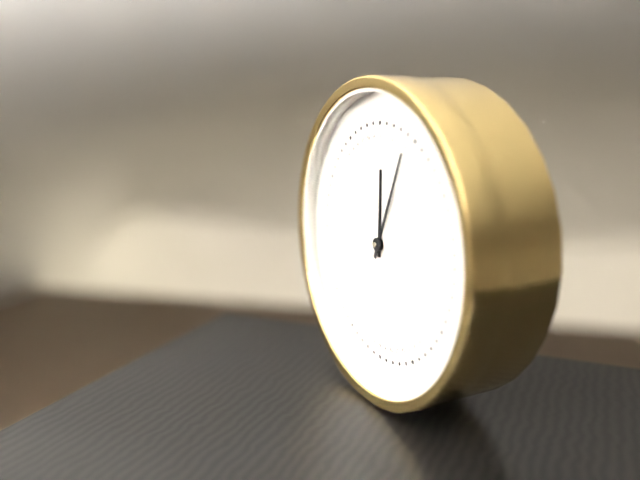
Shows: 12:04
